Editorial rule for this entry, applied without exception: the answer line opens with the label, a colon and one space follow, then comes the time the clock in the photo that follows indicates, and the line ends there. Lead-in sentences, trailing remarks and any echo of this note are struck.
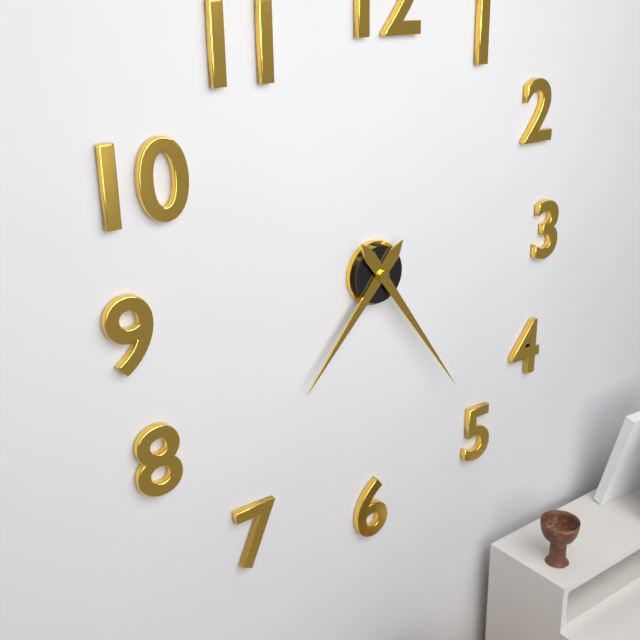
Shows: 7:24
